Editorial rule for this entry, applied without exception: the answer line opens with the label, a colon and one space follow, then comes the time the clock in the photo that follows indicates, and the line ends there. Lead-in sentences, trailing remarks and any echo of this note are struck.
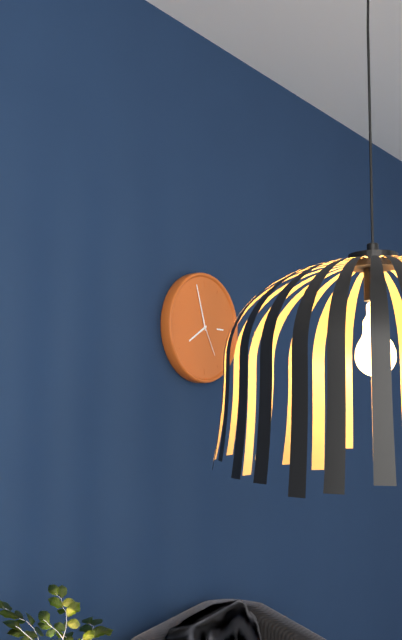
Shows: 7:57
